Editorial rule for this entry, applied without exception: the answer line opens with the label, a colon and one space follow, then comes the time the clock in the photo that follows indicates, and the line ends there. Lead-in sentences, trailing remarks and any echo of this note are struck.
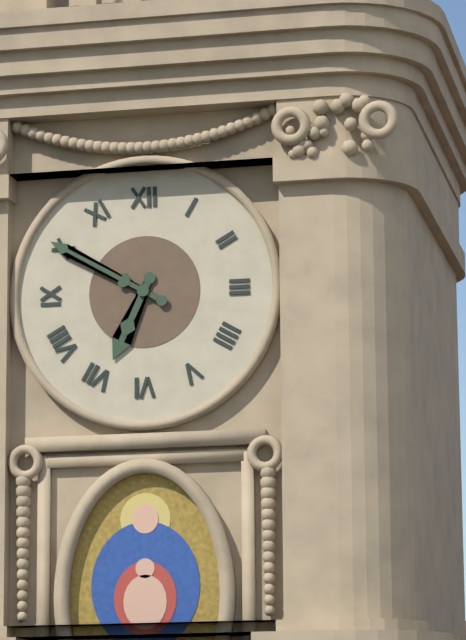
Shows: 6:50
